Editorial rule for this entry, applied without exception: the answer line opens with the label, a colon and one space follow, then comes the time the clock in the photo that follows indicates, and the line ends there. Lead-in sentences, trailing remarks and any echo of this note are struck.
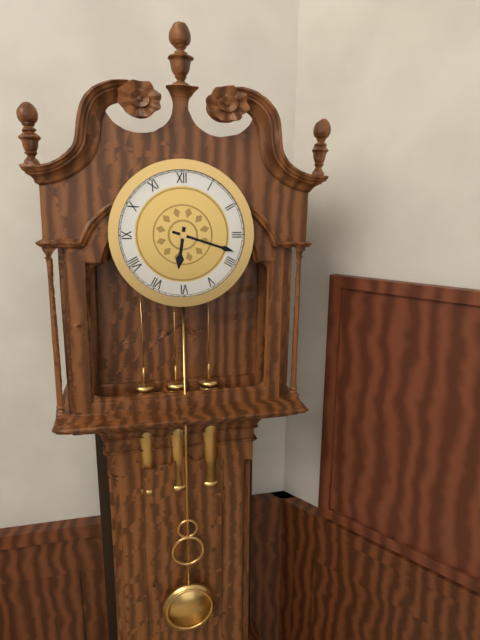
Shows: 6:18
